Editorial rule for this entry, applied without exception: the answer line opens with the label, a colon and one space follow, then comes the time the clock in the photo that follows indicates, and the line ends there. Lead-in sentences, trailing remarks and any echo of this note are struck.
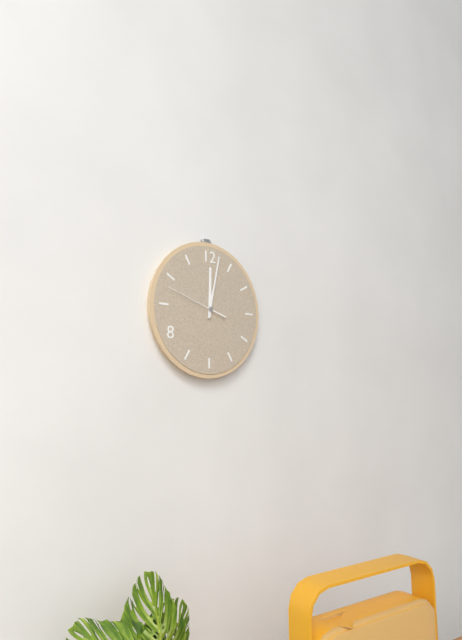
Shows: 12:02:48
